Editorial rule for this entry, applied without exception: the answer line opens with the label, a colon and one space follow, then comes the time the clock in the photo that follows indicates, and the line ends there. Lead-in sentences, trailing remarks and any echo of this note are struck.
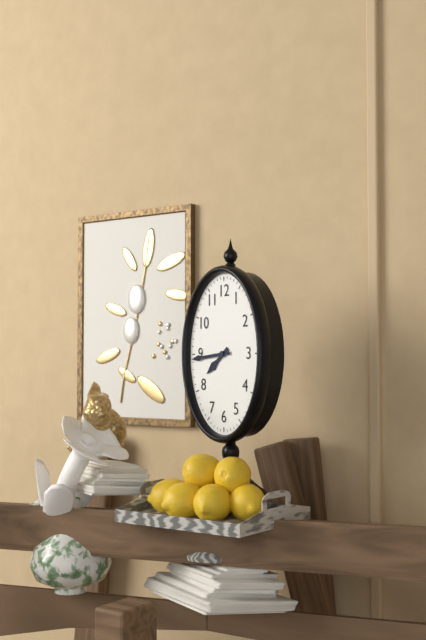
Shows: 7:44
